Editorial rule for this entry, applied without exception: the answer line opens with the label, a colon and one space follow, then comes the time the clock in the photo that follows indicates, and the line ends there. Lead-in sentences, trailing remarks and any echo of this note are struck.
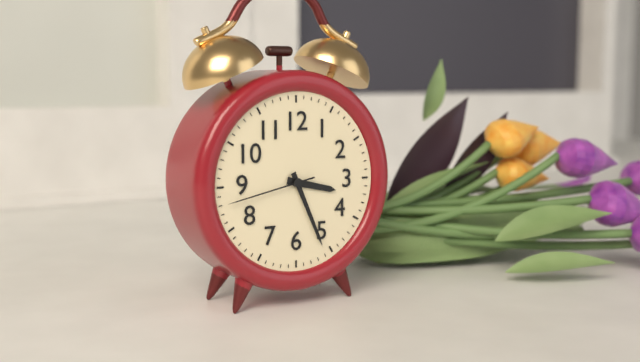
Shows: 3:26:43
